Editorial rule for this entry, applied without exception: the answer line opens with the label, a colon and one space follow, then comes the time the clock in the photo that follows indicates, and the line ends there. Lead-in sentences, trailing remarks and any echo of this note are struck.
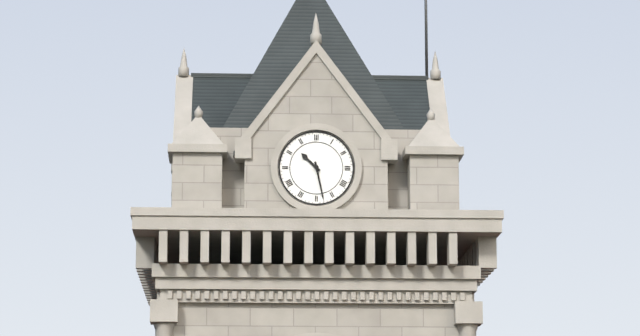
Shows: 10:28
